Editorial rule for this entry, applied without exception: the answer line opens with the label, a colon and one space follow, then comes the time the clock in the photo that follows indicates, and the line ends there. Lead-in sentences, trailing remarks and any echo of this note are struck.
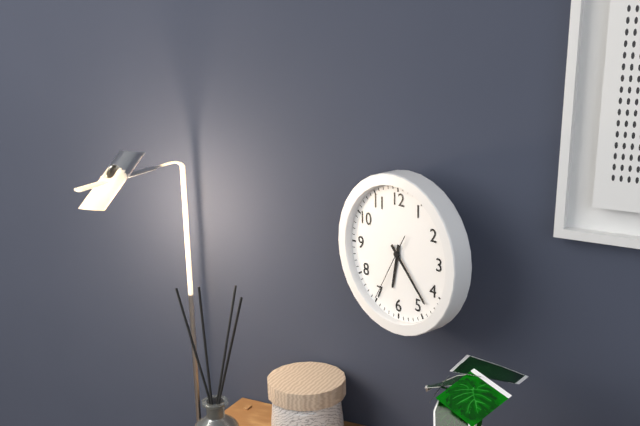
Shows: 6:23:35
